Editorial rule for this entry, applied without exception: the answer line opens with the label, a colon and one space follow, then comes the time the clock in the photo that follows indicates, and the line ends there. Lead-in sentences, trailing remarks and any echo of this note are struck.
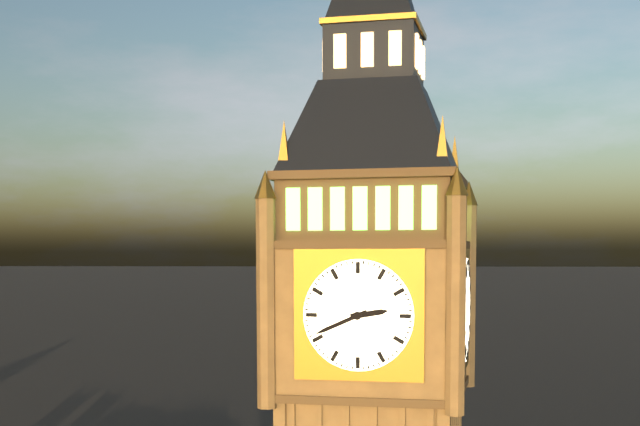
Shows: 2:41
